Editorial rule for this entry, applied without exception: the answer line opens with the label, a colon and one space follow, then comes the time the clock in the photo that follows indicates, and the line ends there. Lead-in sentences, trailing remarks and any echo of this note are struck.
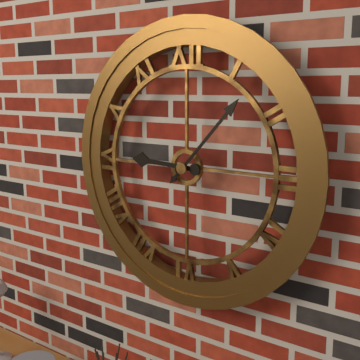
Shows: 9:07
